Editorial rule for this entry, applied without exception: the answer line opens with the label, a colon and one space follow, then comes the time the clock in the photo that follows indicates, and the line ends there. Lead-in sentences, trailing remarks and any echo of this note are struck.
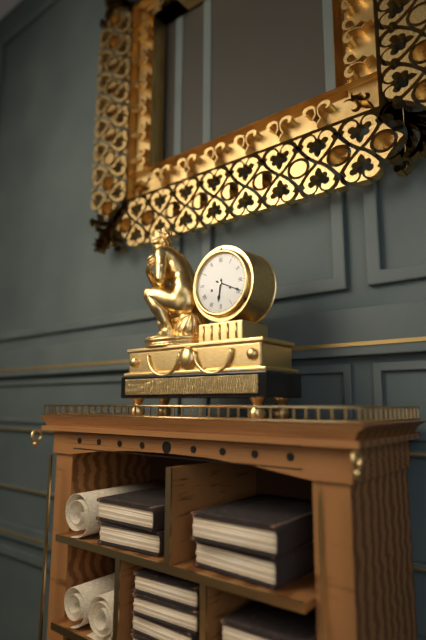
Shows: 6:19
